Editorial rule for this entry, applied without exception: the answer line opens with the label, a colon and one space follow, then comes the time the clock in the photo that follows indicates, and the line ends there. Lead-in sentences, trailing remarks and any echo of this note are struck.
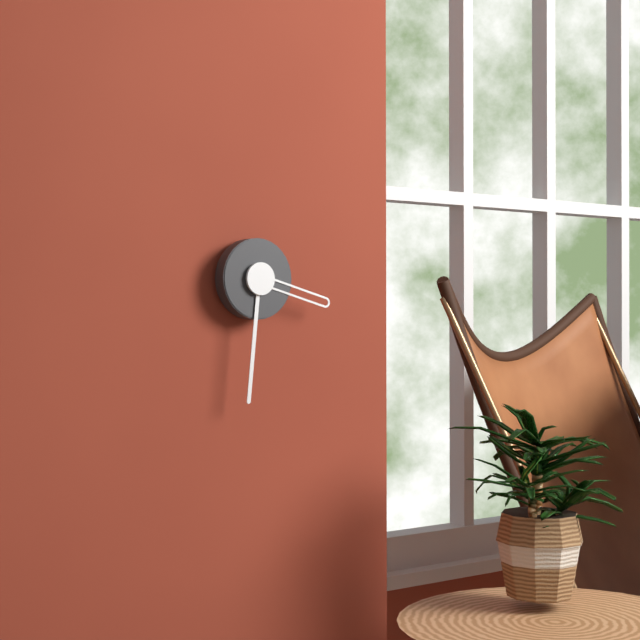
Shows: 3:31
